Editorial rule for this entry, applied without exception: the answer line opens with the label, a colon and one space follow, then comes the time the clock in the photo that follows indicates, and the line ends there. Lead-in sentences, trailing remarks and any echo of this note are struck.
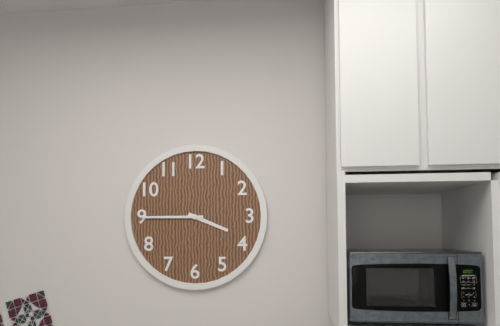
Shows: 3:45
